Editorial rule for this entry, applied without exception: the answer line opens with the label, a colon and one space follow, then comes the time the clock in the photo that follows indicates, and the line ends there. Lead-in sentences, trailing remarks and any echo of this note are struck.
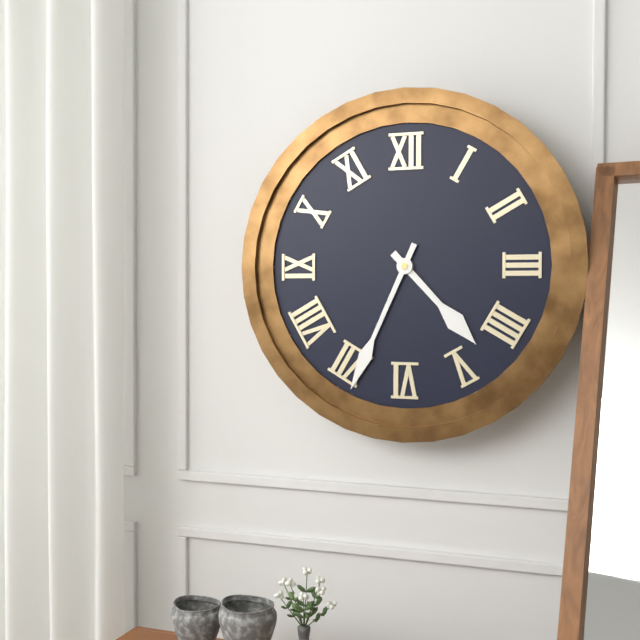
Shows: 4:34
